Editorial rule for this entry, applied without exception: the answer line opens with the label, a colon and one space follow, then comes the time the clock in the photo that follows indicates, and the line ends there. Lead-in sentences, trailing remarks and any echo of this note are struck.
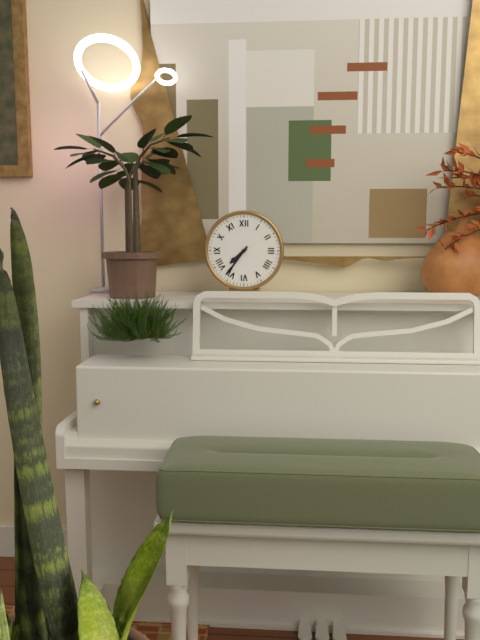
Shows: 7:36
